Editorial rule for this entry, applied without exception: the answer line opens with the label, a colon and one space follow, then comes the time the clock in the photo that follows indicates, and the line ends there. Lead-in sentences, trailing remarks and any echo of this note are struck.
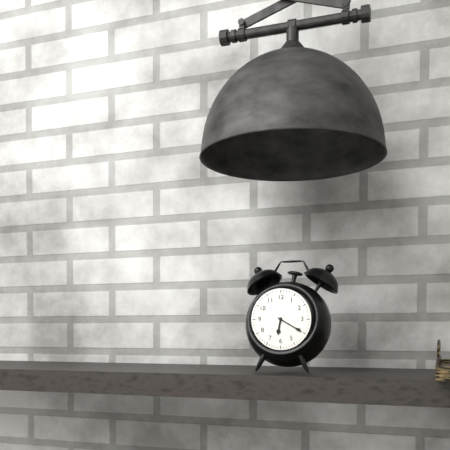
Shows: 6:20
